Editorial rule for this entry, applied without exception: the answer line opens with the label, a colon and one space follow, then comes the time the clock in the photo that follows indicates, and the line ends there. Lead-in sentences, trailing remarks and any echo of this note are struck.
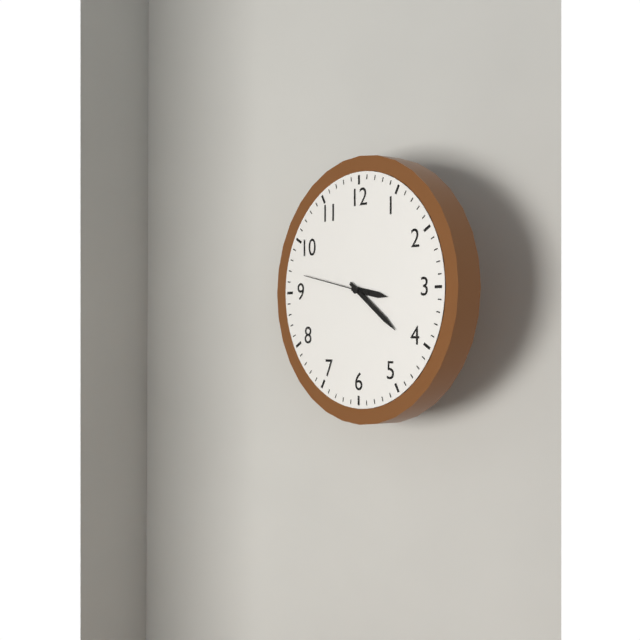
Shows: 3:21:47
